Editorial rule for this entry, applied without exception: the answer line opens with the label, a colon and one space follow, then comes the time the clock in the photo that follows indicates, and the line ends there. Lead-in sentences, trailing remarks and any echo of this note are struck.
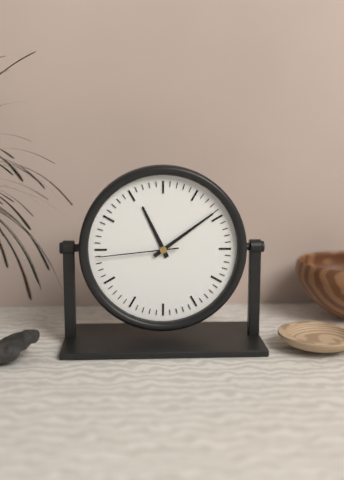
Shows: 11:09:44
